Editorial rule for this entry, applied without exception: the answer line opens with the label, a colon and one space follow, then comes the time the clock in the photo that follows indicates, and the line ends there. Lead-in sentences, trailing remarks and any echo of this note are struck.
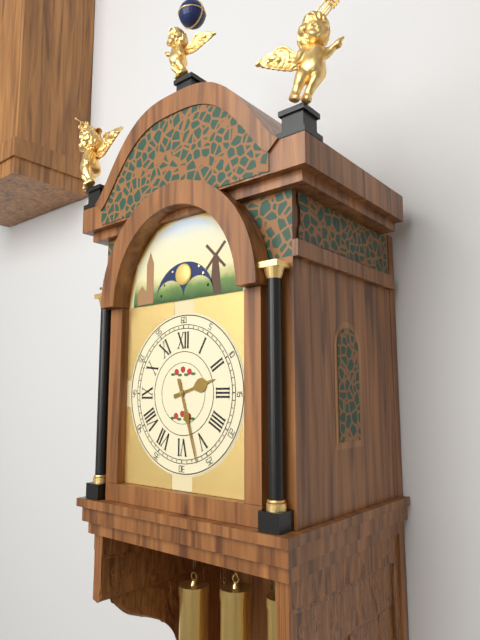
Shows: 2:27
